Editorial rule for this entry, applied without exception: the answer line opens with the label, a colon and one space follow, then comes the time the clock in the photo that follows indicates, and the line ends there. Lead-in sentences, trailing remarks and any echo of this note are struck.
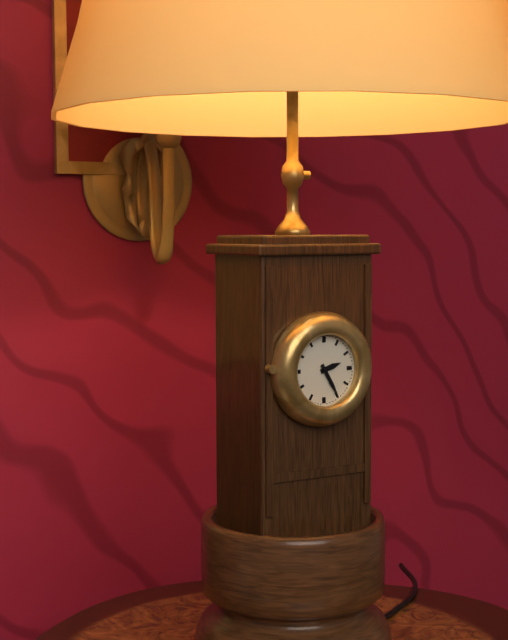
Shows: 2:25
